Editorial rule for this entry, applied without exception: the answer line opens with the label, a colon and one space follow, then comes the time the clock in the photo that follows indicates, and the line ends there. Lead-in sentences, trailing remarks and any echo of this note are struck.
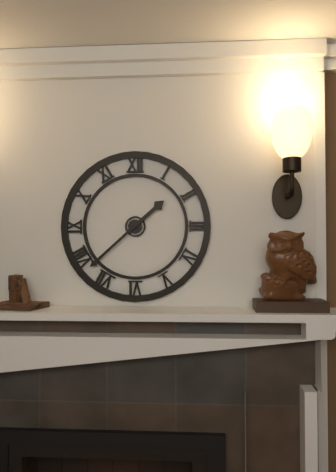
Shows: 1:38
